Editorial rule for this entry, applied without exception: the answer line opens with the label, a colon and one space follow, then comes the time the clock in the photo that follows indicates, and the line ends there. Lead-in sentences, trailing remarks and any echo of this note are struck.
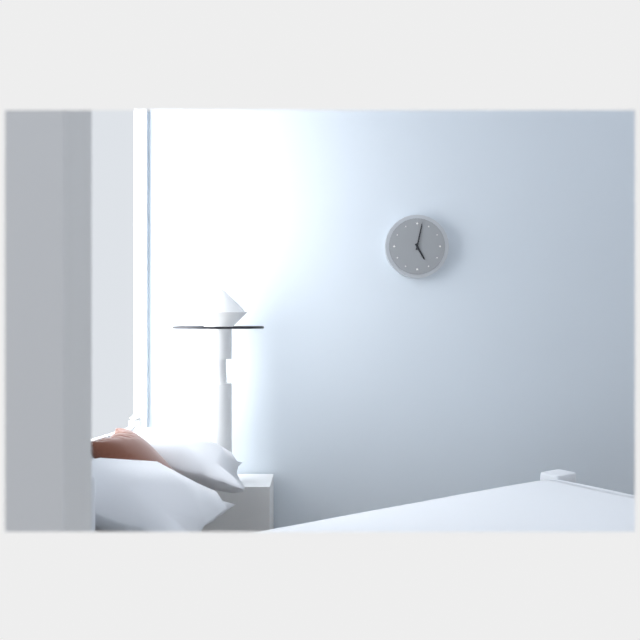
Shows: 5:02
